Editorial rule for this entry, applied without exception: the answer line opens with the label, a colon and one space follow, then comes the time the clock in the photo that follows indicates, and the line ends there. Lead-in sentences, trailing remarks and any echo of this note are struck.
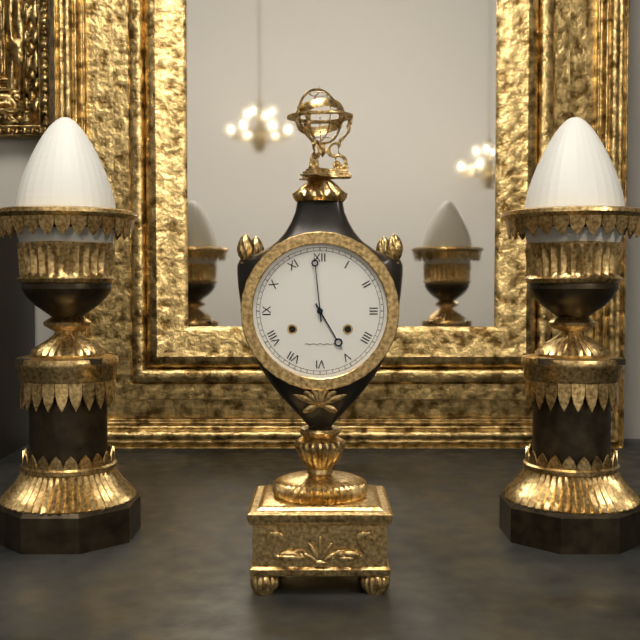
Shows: 4:59
